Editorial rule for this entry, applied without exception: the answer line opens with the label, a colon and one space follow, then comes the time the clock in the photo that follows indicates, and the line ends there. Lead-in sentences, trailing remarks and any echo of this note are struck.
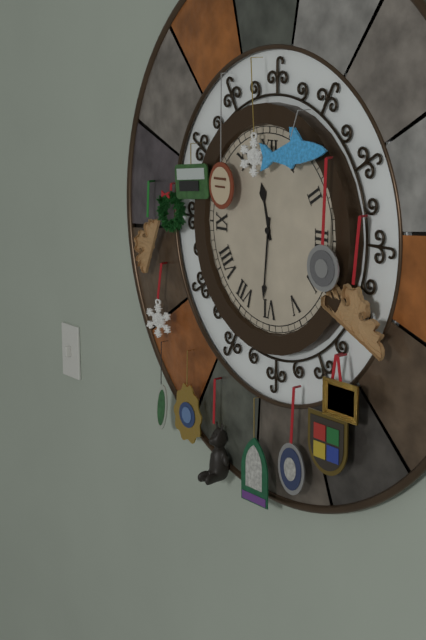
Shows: 11:31
